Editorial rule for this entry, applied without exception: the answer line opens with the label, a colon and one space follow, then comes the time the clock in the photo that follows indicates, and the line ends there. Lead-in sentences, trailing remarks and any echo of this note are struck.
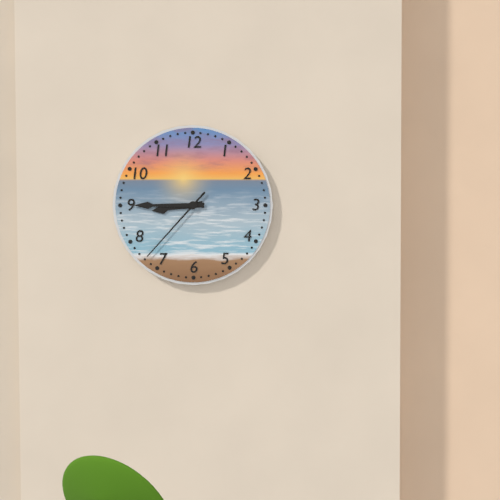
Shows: 8:45:37
